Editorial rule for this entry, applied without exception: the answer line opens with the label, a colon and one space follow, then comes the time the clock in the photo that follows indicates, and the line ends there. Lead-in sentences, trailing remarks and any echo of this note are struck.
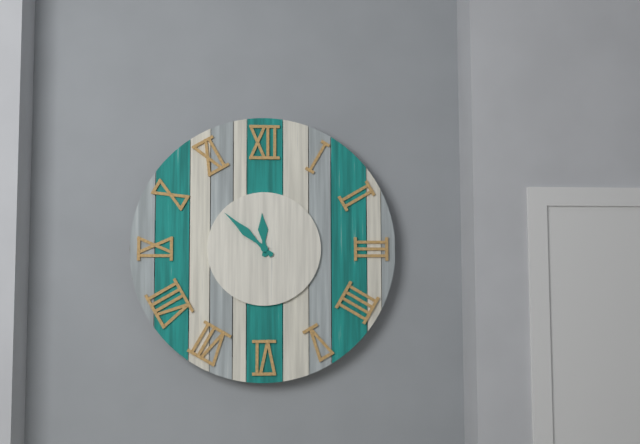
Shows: 11:52
